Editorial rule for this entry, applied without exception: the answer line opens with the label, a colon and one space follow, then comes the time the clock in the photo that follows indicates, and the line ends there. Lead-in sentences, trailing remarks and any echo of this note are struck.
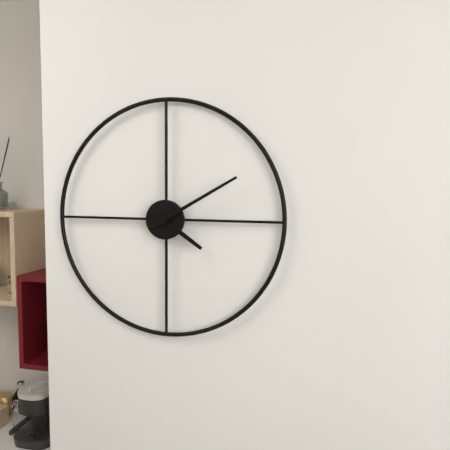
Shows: 4:10
